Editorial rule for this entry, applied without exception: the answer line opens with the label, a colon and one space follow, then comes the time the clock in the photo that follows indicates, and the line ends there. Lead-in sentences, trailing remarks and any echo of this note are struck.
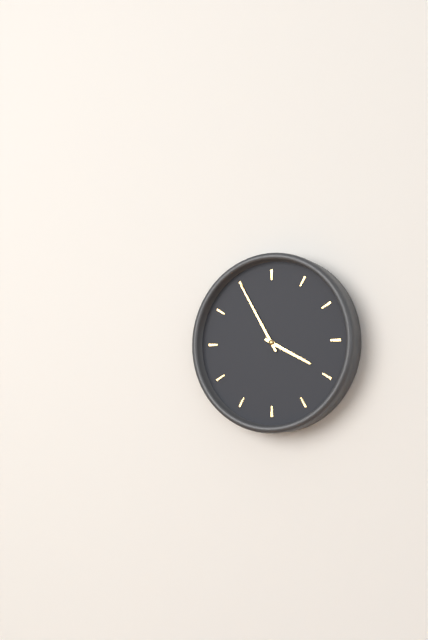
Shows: 3:55
